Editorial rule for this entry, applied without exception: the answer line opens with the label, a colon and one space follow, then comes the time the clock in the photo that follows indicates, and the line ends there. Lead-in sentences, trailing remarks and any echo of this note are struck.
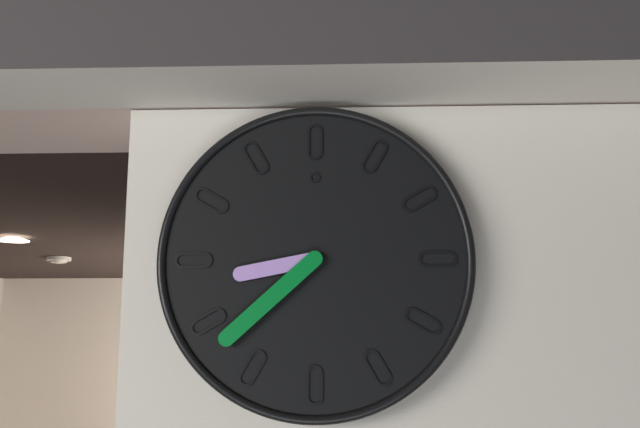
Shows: 8:38
